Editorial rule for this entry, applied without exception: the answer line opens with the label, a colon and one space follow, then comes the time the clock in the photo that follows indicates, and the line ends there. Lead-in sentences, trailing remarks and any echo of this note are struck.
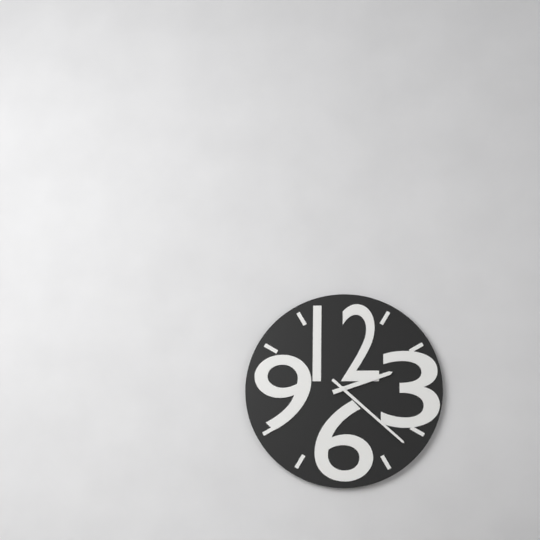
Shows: 2:22
